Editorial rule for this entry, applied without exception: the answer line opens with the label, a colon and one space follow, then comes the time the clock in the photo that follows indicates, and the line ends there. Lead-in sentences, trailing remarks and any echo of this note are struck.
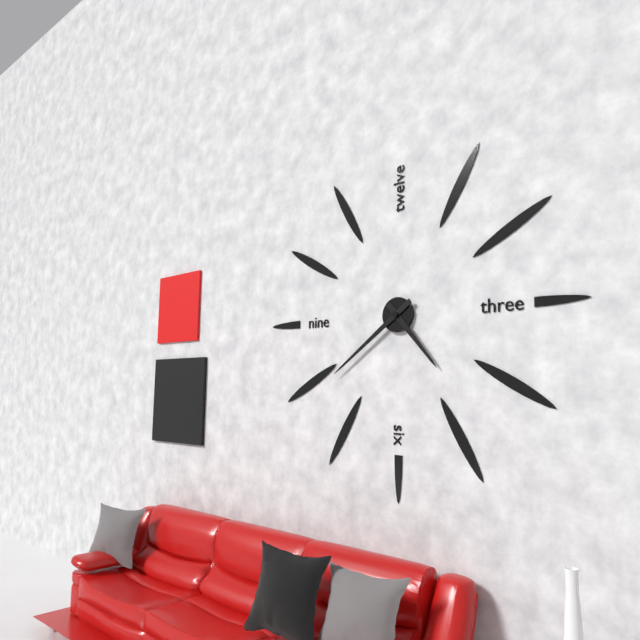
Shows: 4:39
